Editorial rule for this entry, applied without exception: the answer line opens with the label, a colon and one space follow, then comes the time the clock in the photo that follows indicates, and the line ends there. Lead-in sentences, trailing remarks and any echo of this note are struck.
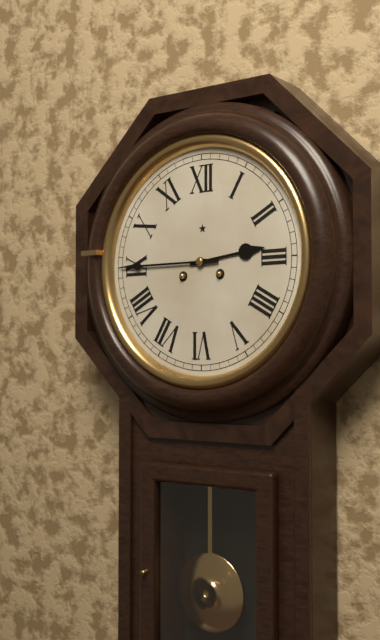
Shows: 2:45
